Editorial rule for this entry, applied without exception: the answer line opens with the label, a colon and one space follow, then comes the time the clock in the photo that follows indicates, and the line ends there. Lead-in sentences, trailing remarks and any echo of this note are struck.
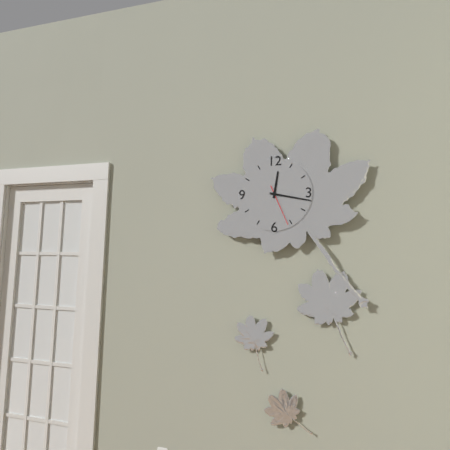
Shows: 12:17
